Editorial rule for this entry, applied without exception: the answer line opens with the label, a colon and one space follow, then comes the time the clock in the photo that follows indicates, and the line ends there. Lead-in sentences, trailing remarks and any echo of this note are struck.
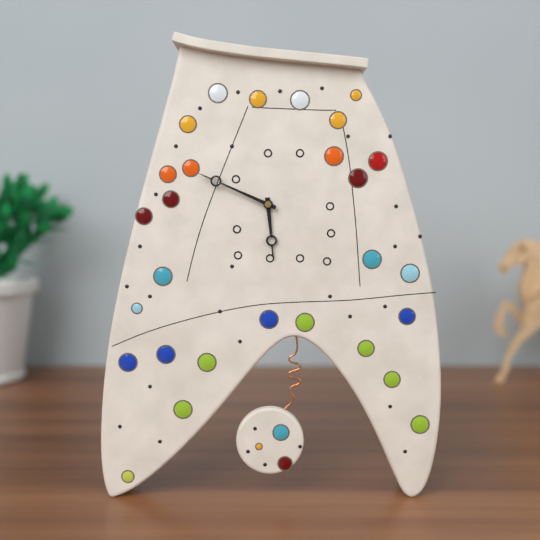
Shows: 5:49
